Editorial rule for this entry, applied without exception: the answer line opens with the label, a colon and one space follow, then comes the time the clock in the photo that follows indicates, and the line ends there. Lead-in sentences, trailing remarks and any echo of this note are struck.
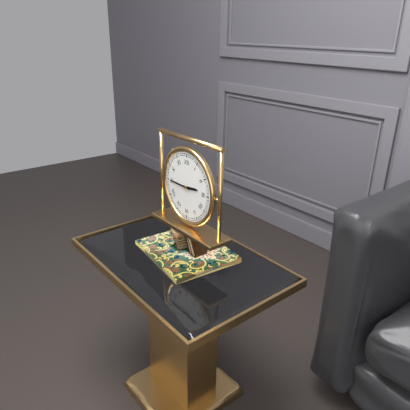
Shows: 2:45
